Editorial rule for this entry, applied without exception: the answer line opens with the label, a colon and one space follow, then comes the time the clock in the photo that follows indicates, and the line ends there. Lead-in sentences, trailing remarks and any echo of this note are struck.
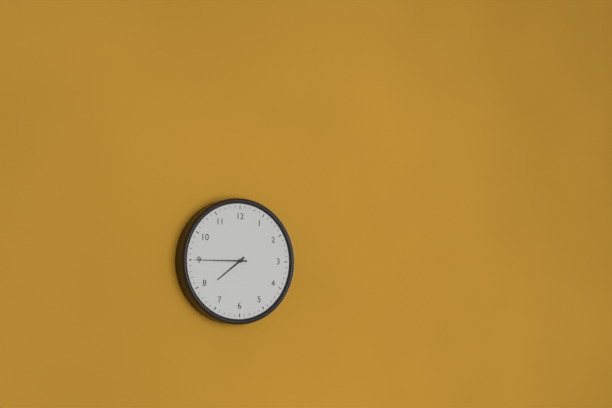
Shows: 7:45
